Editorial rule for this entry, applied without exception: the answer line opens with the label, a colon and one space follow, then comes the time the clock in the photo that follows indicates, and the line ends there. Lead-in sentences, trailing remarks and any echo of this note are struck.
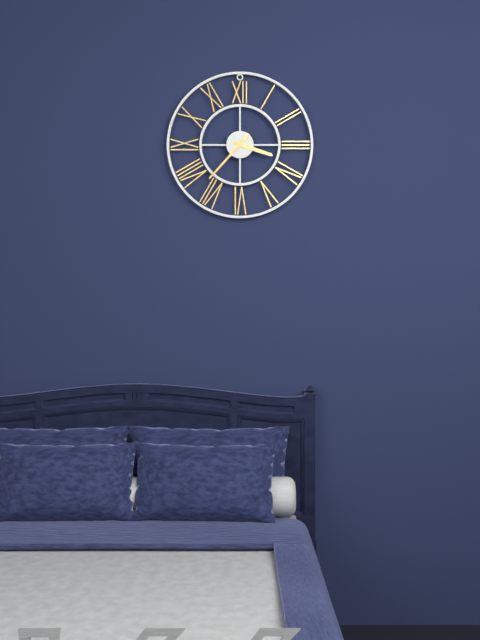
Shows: 3:37
